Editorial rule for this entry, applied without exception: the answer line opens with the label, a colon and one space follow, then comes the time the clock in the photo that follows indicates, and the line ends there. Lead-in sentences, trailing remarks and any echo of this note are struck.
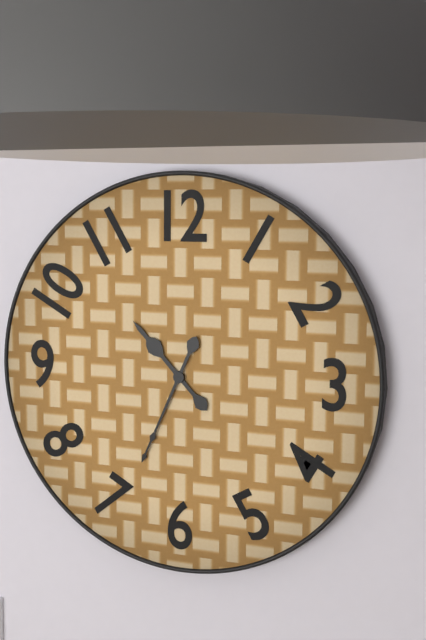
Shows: 10:34
